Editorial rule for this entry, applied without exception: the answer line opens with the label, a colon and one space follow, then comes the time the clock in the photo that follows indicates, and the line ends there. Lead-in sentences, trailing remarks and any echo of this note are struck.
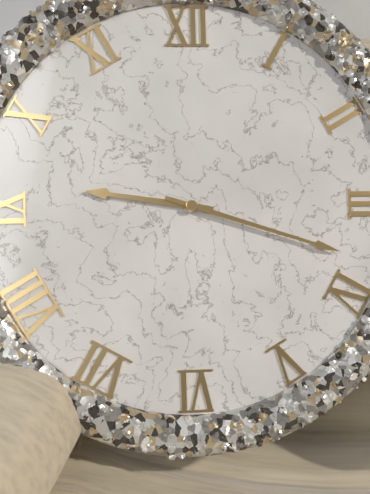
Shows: 9:18
